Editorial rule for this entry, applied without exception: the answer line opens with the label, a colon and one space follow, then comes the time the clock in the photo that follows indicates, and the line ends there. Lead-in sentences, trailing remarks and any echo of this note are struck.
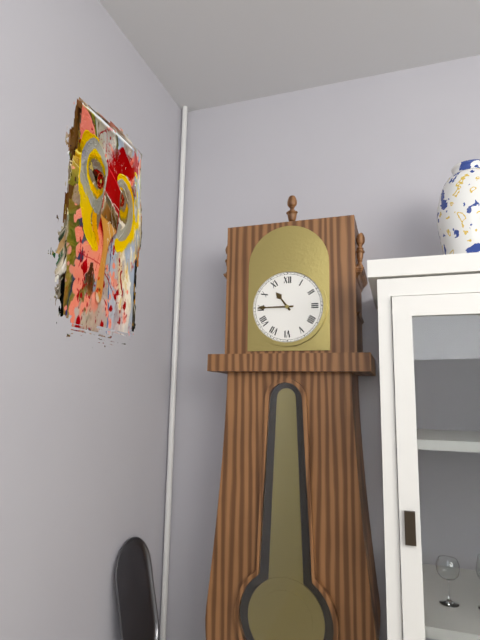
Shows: 10:45
